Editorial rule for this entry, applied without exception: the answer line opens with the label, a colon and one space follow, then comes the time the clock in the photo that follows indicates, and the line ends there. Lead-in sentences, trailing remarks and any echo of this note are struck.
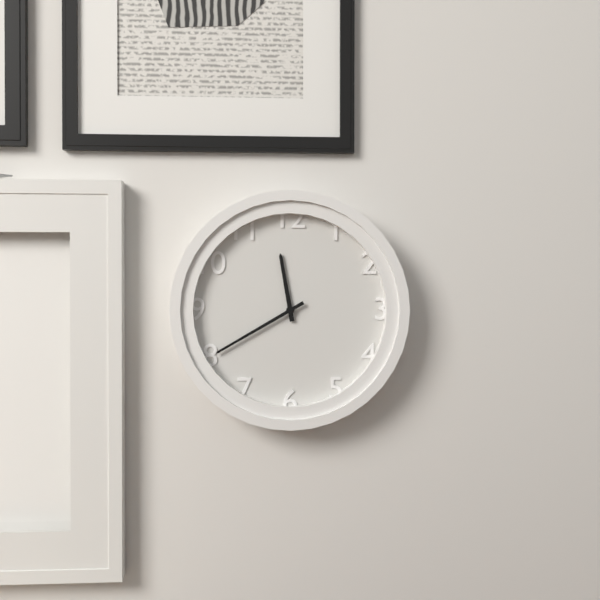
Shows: 11:40
